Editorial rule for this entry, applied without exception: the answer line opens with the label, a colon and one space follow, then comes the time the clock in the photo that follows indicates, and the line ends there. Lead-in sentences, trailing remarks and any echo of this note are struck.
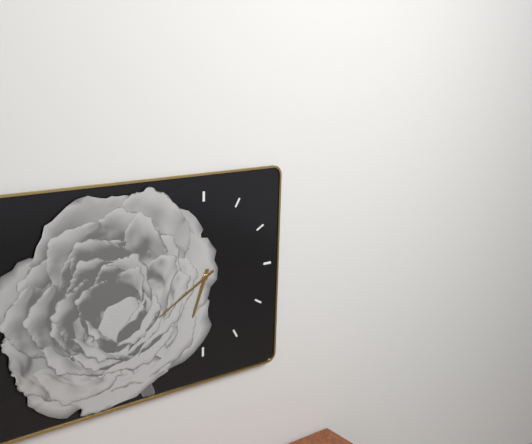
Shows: 6:40
